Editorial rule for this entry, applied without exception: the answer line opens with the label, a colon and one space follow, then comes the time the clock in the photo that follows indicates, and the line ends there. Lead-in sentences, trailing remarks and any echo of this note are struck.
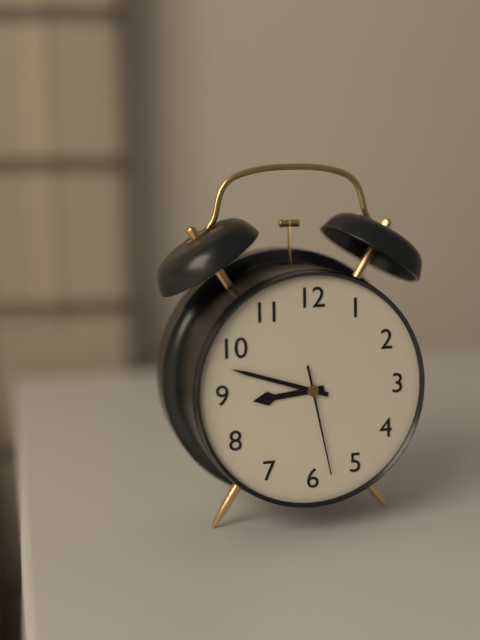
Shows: 8:48:28
